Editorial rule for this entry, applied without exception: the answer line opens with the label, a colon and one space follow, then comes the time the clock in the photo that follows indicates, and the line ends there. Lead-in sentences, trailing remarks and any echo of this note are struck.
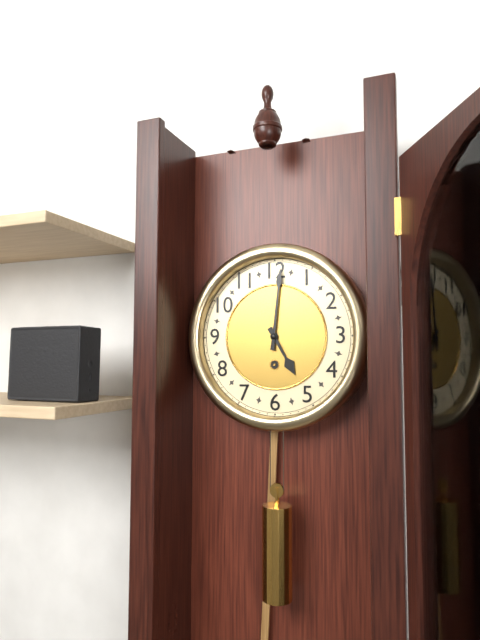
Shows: 5:01
